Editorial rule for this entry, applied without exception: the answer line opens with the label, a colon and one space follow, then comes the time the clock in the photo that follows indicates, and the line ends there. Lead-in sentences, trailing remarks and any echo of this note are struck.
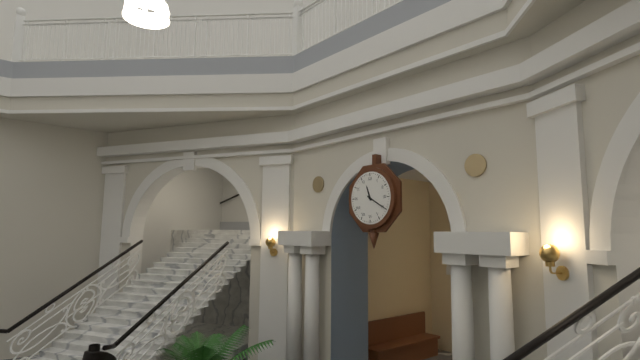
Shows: 11:20
